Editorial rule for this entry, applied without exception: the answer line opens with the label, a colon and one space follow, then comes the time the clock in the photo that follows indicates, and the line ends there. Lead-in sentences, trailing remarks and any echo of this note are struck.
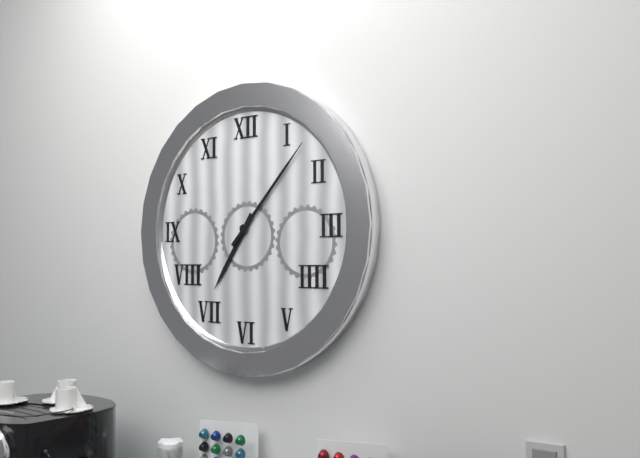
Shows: 7:07
